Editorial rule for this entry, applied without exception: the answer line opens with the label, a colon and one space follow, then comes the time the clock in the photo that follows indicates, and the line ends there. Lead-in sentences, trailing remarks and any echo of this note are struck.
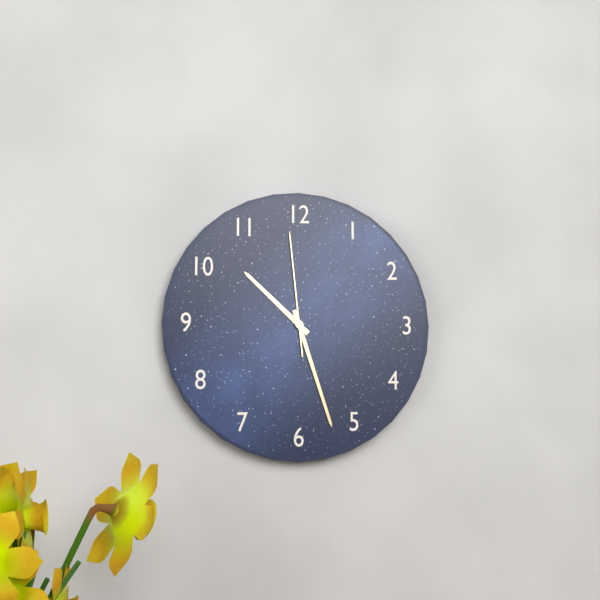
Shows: 10:27:59
